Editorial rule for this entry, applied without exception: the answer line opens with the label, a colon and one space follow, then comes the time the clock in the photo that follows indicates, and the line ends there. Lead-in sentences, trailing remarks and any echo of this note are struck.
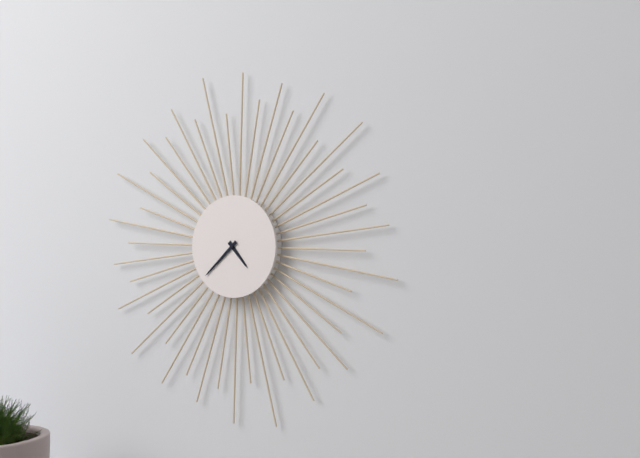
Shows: 4:38
